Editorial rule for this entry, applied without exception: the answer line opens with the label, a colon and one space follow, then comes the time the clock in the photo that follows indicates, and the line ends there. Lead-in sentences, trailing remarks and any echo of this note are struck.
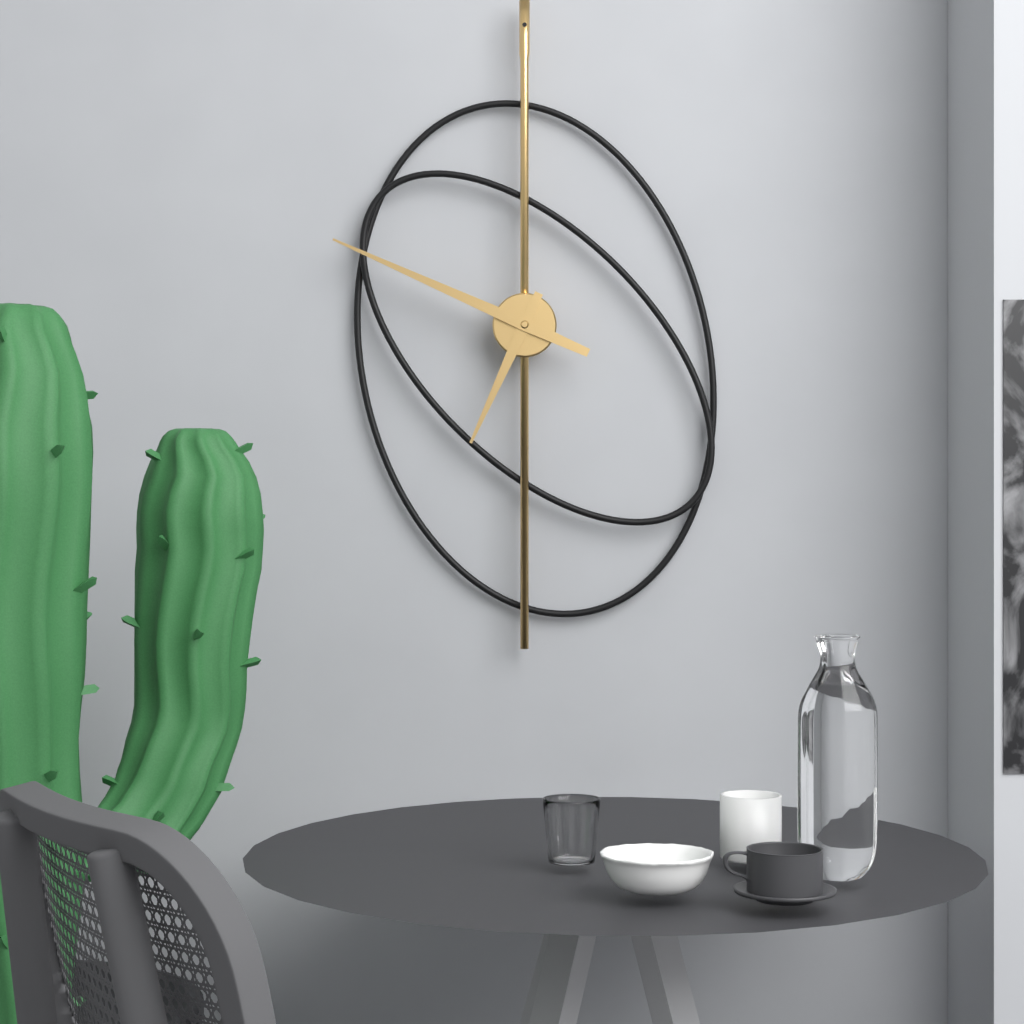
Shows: 6:49
